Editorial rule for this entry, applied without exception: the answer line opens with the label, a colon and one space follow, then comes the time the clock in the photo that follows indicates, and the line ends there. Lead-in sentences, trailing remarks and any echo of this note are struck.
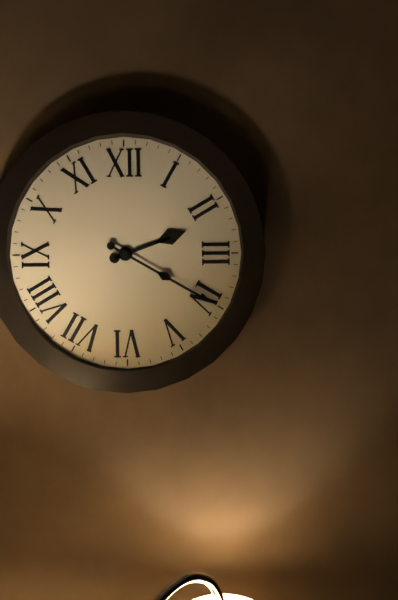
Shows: 2:20
